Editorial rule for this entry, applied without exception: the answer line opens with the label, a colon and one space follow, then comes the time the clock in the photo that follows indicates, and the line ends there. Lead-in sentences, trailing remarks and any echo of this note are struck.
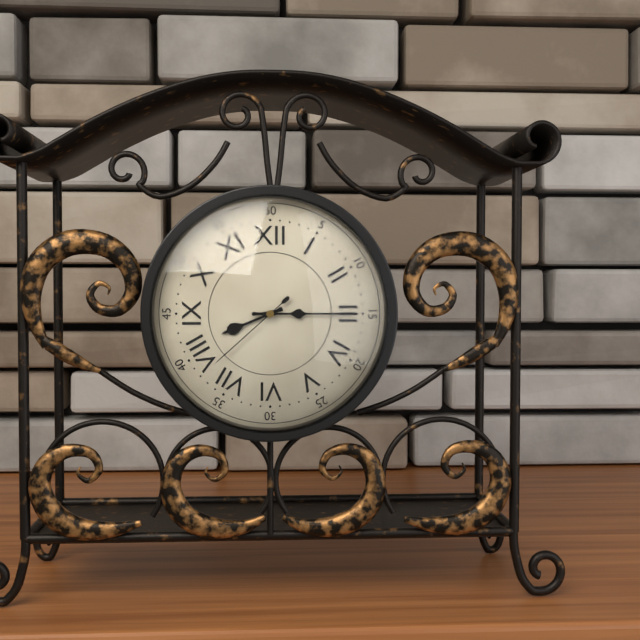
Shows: 8:15:38
